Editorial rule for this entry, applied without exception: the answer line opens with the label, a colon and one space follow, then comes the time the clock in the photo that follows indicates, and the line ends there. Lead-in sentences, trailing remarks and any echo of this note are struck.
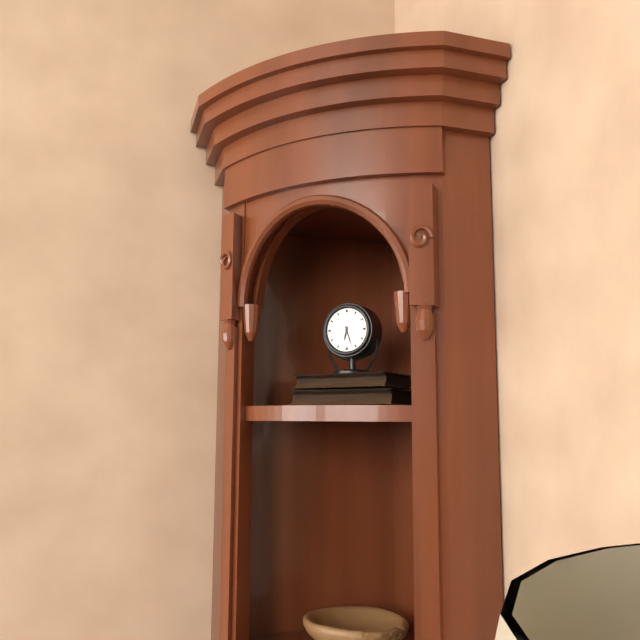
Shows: 6:27
